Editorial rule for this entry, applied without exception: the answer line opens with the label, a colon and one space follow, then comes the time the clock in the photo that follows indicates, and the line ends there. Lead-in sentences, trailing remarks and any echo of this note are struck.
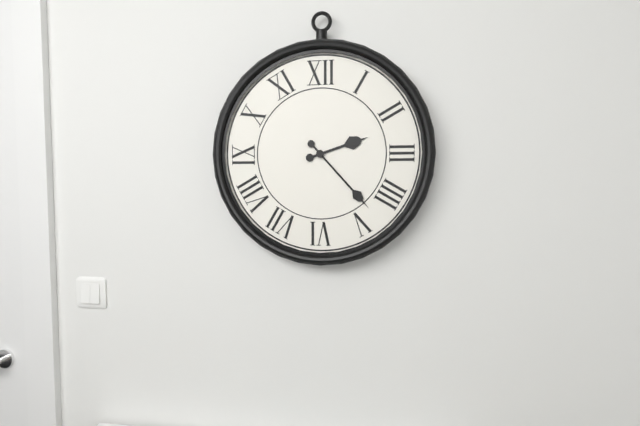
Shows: 2:23
